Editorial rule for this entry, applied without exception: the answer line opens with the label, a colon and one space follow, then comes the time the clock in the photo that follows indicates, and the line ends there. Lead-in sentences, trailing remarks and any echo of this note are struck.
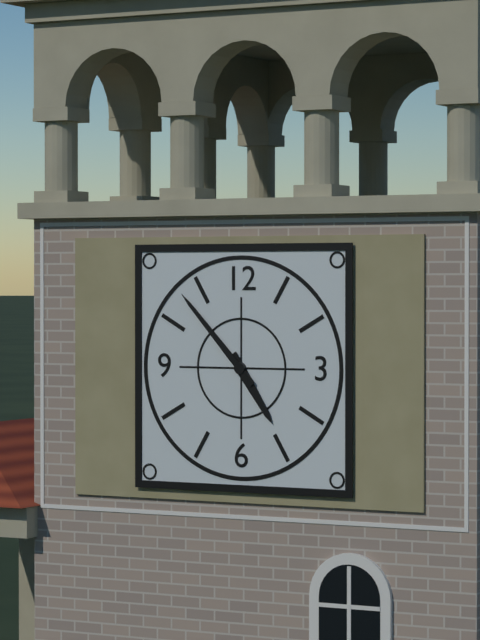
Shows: 4:53
